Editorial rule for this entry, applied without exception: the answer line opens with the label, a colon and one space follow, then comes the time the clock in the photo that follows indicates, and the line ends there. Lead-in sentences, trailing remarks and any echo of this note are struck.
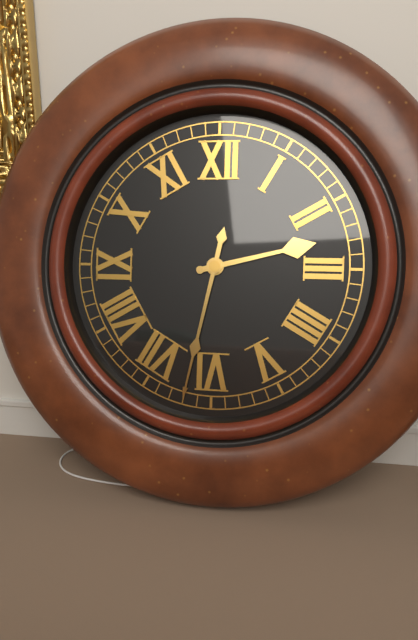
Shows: 2:32
